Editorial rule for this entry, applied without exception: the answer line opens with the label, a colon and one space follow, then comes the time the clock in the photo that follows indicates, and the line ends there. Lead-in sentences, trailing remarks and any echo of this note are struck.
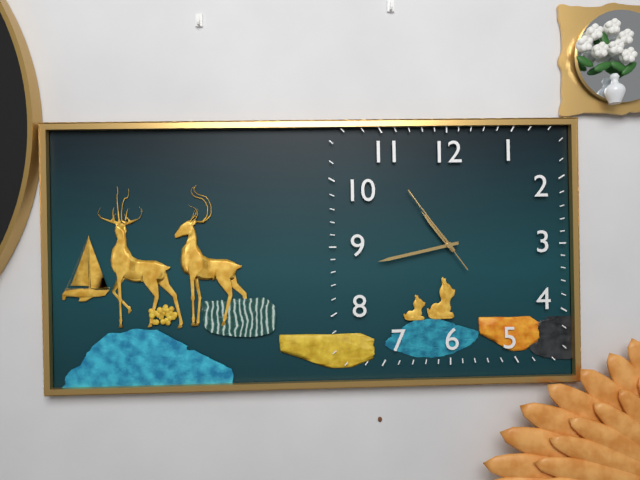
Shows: 10:43:54
